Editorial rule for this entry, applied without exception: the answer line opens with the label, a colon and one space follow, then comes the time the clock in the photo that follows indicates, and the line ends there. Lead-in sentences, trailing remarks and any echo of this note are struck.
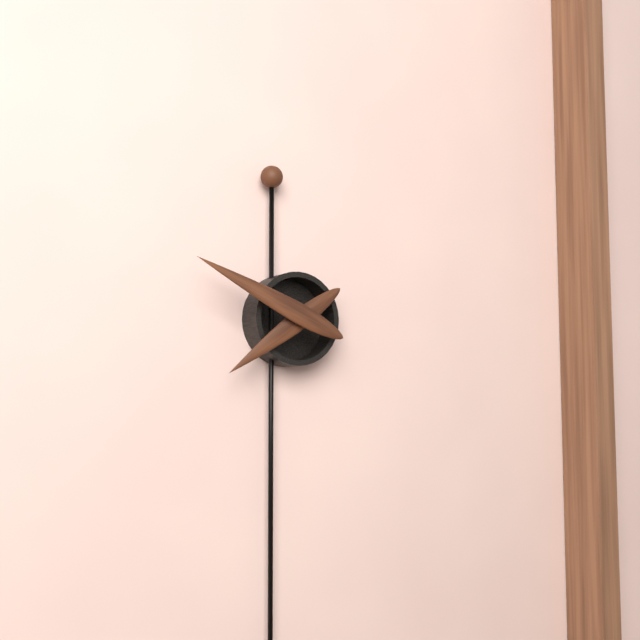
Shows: 7:49
